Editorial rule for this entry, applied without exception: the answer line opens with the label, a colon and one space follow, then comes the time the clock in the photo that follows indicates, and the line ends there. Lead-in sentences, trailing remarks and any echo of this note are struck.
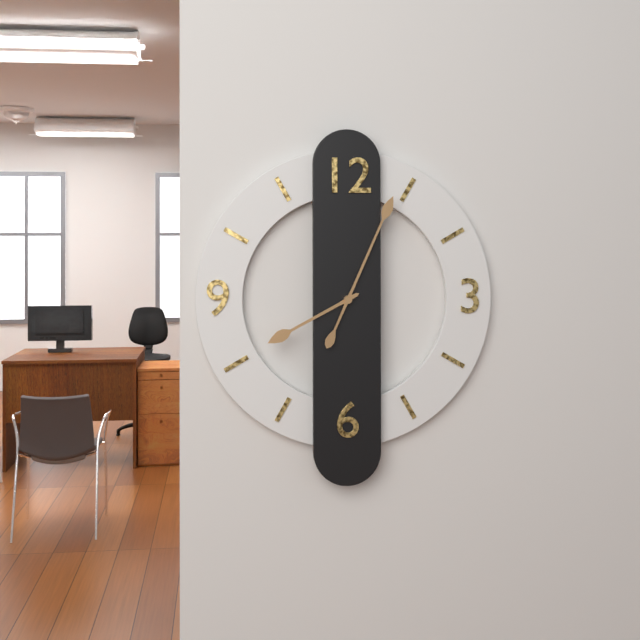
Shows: 8:04
